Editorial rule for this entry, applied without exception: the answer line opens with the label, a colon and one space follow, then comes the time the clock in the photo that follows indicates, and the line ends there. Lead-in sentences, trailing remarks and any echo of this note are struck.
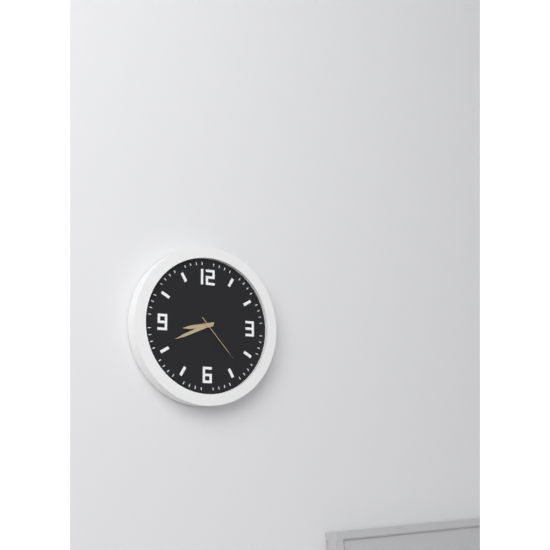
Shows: 8:41:23
